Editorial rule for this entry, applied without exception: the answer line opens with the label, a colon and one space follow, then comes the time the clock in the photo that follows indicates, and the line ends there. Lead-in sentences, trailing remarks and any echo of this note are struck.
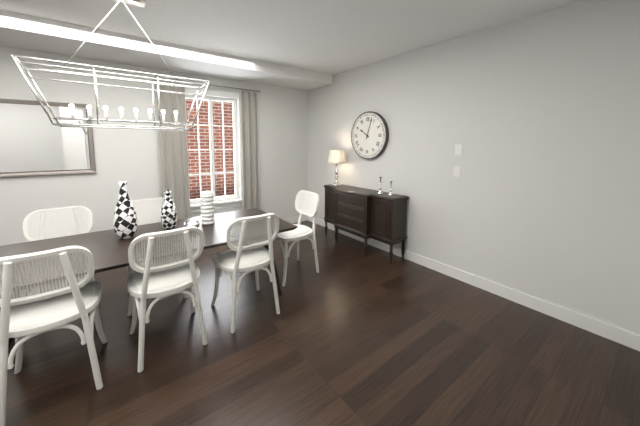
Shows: 10:03
